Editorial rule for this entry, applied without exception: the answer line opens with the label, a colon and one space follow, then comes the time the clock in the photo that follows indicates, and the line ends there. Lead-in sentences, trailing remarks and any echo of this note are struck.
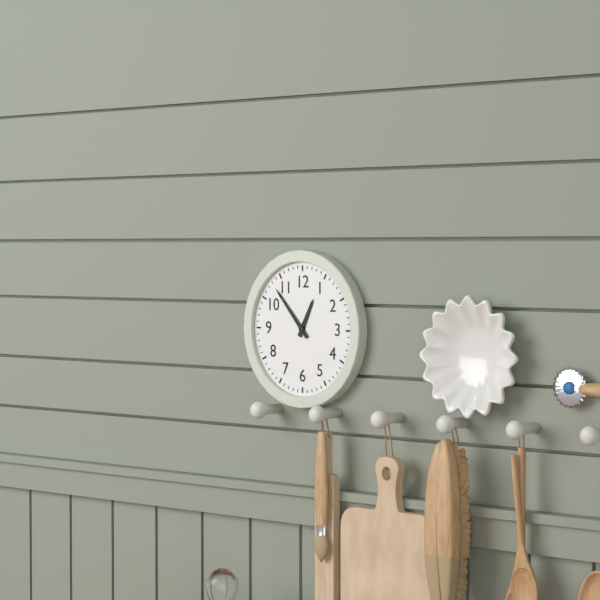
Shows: 12:53
